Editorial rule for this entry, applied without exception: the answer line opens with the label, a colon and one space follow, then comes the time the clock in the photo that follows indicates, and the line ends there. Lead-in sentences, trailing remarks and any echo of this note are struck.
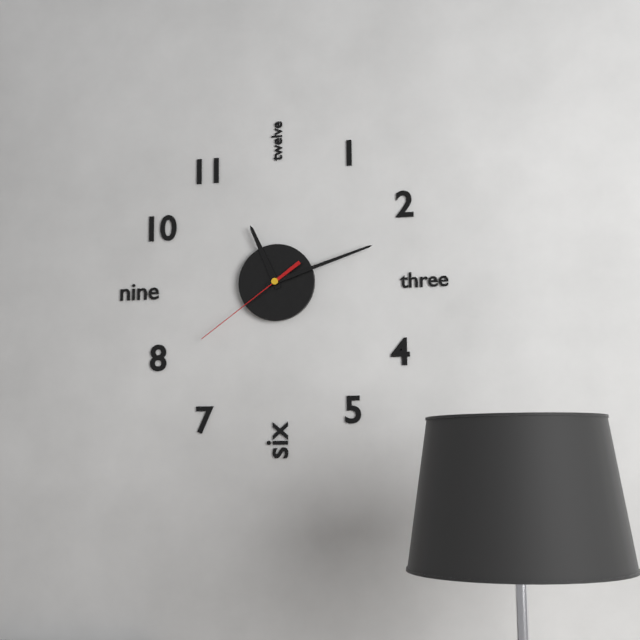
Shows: 11:12:39
